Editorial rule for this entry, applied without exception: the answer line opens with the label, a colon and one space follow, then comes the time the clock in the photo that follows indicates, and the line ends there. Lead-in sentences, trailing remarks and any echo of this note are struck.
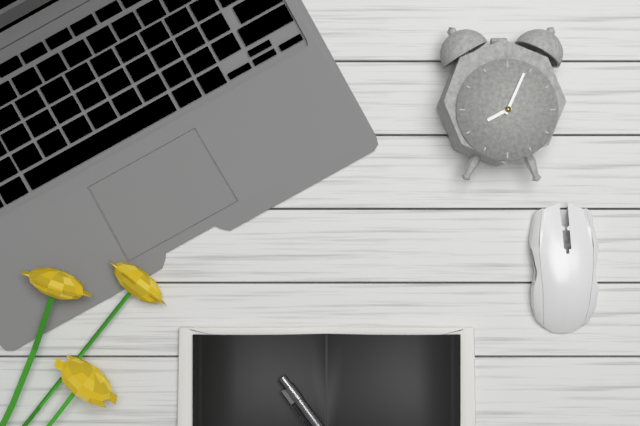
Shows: 8:04
